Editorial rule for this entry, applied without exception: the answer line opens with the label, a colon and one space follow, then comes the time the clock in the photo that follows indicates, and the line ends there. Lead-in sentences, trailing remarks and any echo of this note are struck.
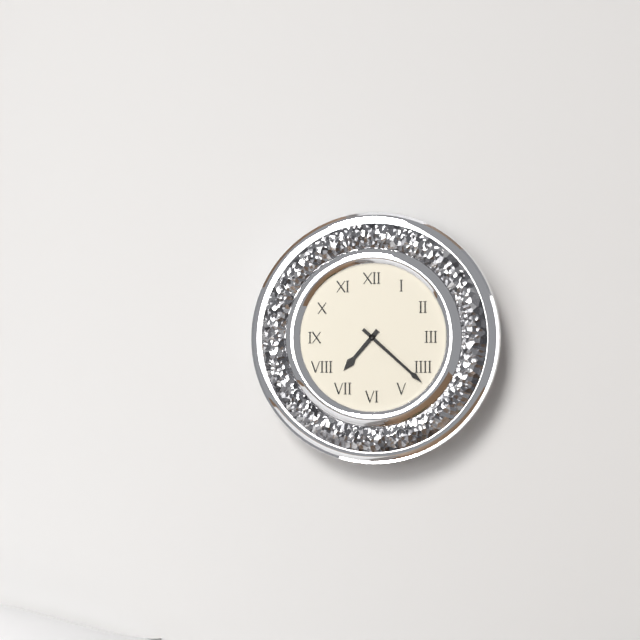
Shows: 7:22
